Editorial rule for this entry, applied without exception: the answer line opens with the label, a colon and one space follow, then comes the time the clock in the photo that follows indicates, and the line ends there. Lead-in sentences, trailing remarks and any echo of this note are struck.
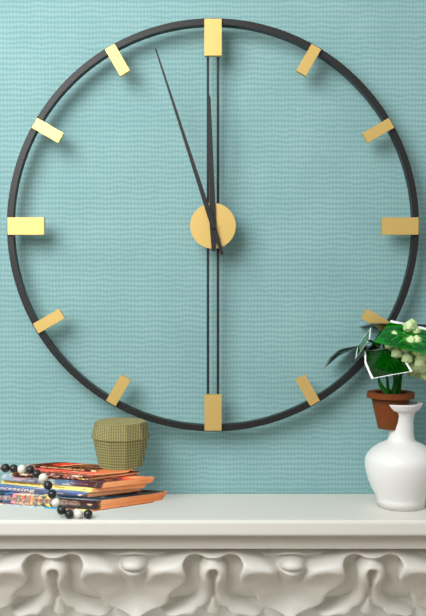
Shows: 11:57
